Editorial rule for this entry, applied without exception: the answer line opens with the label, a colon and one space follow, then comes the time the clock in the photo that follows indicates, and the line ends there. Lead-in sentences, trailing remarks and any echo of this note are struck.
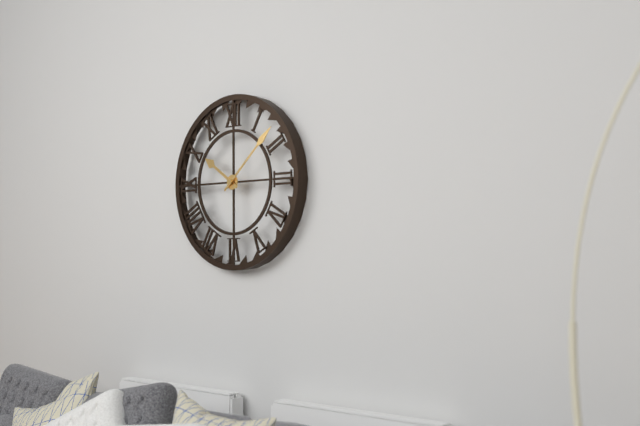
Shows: 10:08
